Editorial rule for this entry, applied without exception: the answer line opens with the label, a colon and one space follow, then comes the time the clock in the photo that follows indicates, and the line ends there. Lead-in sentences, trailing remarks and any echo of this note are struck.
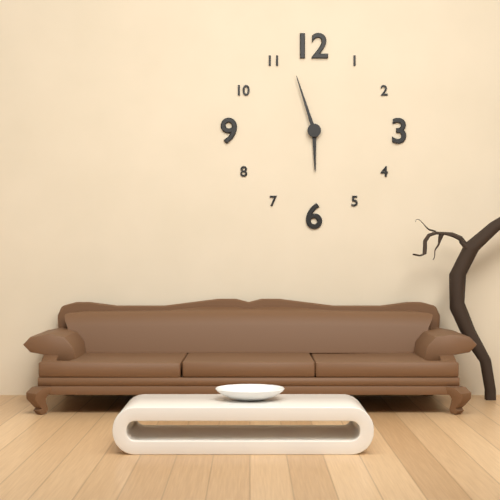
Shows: 5:57
